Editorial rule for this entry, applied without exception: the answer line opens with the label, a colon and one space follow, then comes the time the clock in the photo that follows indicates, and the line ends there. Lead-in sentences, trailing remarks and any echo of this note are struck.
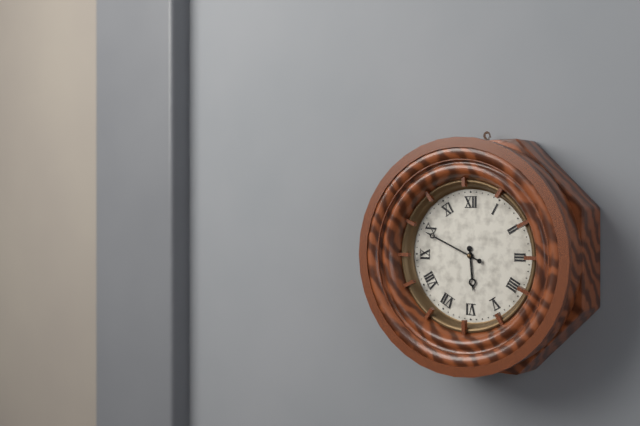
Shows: 5:49
